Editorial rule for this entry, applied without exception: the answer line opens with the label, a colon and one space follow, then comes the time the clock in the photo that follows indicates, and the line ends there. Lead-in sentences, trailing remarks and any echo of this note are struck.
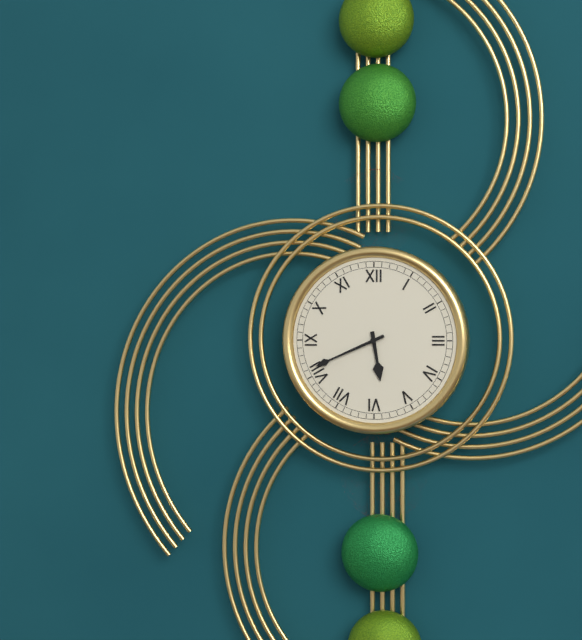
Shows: 5:41
